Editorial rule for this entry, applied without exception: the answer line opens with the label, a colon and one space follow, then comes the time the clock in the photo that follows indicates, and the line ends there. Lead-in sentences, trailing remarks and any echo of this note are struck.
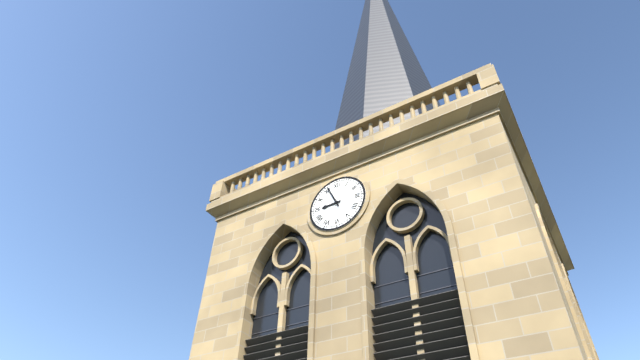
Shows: 8:56
